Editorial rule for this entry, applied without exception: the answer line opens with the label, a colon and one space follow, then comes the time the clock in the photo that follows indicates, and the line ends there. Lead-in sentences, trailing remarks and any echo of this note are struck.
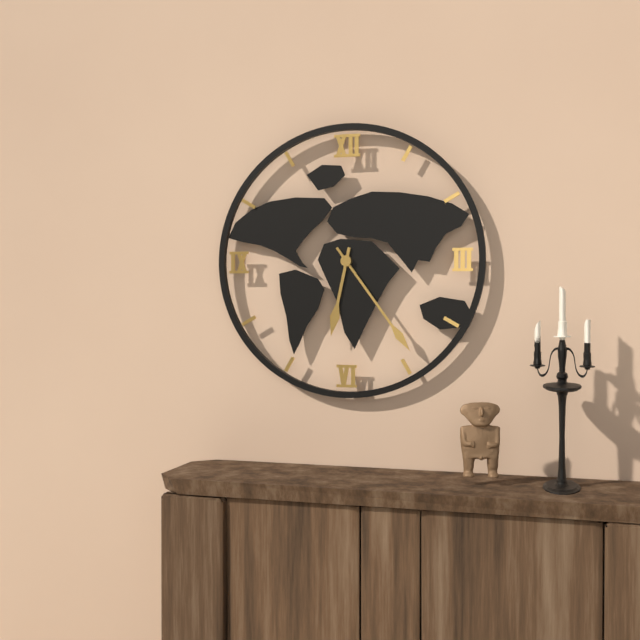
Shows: 6:24
